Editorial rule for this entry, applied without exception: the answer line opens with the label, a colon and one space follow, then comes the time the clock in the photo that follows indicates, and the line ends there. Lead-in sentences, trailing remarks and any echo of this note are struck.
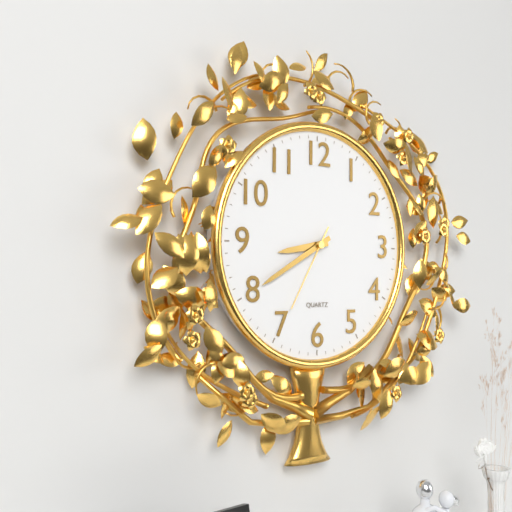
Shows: 8:40:35
